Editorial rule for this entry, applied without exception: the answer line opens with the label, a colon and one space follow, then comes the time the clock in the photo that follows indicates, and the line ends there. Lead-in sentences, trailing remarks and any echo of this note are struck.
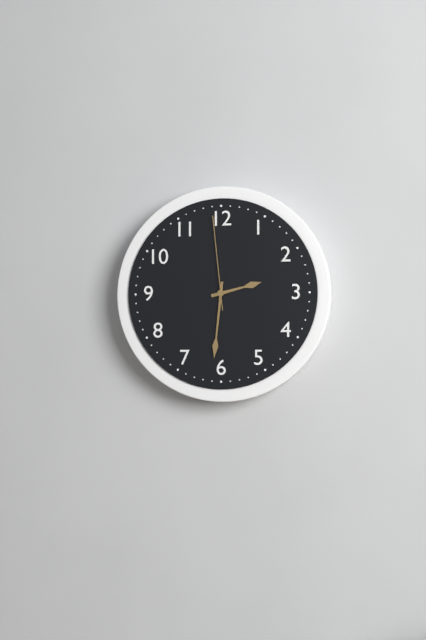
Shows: 2:31:59
